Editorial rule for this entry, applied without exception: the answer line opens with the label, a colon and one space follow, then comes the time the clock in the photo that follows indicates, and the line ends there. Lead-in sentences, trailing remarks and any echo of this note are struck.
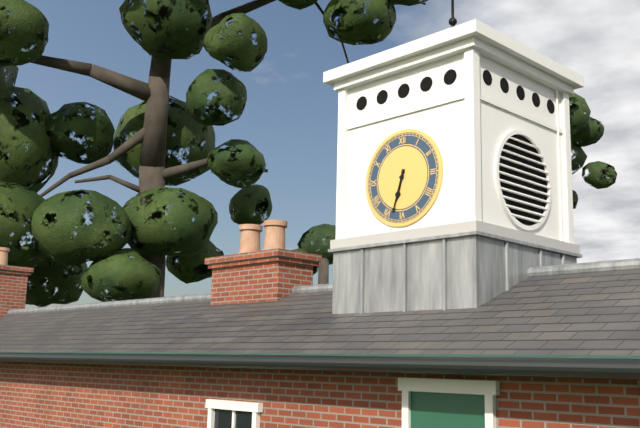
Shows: 6:33
